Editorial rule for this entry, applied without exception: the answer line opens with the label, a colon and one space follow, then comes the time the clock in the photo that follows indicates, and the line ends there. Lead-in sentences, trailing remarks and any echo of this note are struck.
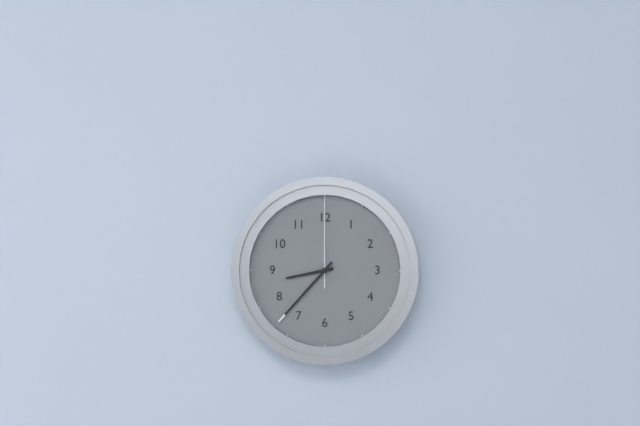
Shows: 8:37:00
